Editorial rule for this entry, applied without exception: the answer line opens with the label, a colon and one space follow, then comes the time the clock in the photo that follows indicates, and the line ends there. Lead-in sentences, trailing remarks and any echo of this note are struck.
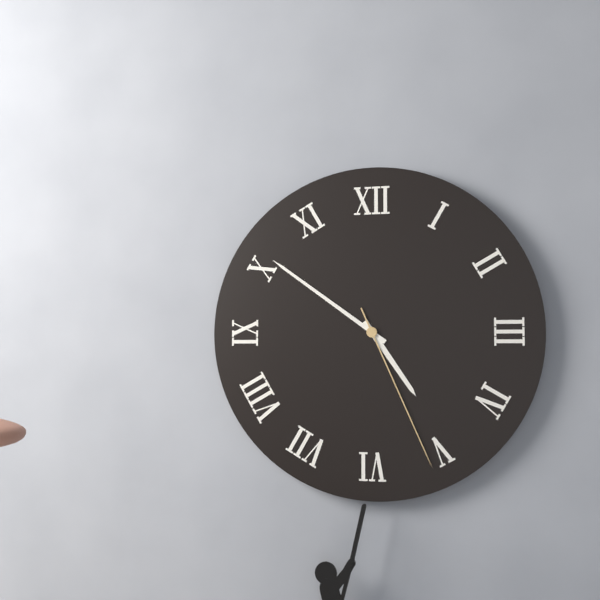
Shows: 4:51:26
